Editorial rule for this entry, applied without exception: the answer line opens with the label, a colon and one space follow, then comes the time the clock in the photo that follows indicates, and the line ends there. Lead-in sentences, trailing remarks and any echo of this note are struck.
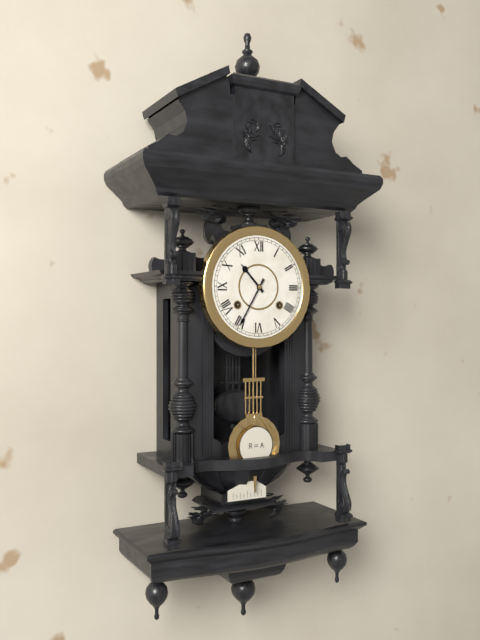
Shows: 10:35
